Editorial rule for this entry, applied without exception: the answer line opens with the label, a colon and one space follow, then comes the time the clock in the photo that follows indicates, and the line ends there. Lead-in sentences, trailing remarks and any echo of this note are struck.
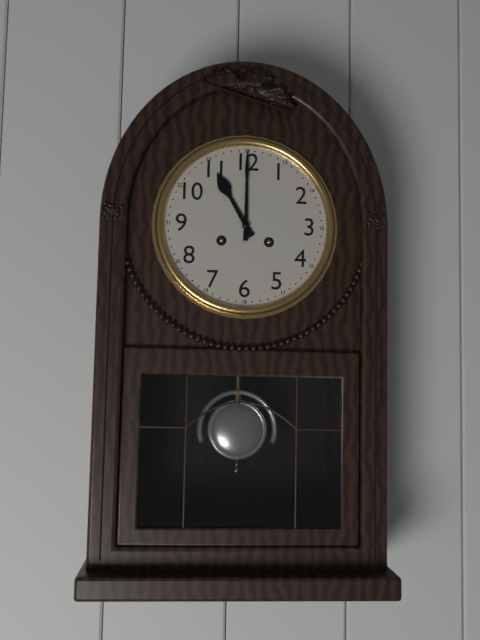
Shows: 11:00
